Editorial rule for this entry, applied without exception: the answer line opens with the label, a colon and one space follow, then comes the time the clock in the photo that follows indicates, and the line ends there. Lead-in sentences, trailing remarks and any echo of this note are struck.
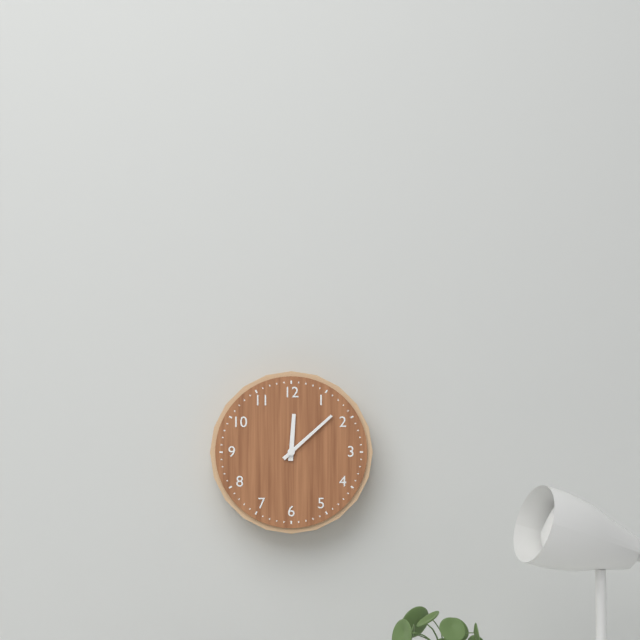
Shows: 12:08
